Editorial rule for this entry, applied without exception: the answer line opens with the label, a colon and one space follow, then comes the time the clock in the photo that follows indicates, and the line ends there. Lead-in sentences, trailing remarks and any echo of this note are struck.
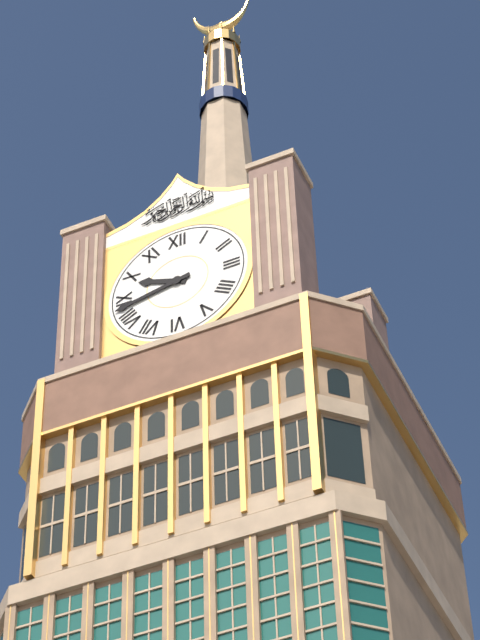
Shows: 9:43
